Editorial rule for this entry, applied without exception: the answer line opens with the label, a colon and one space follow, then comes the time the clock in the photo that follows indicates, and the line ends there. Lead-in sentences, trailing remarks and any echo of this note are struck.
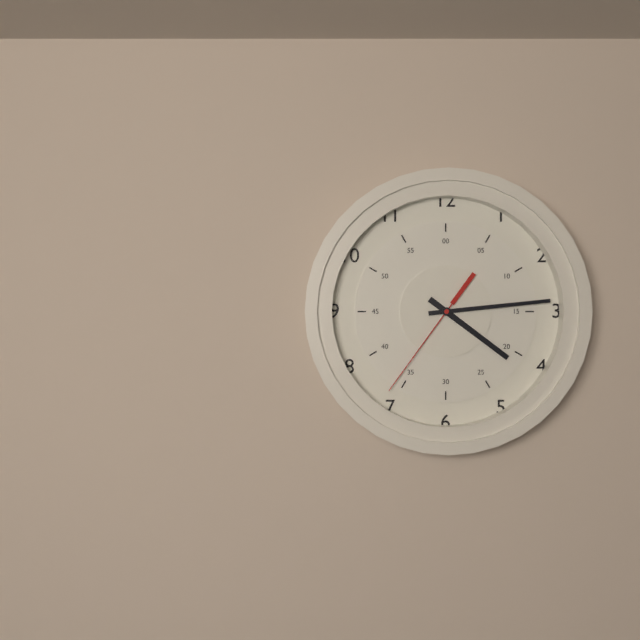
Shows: 4:14:36
